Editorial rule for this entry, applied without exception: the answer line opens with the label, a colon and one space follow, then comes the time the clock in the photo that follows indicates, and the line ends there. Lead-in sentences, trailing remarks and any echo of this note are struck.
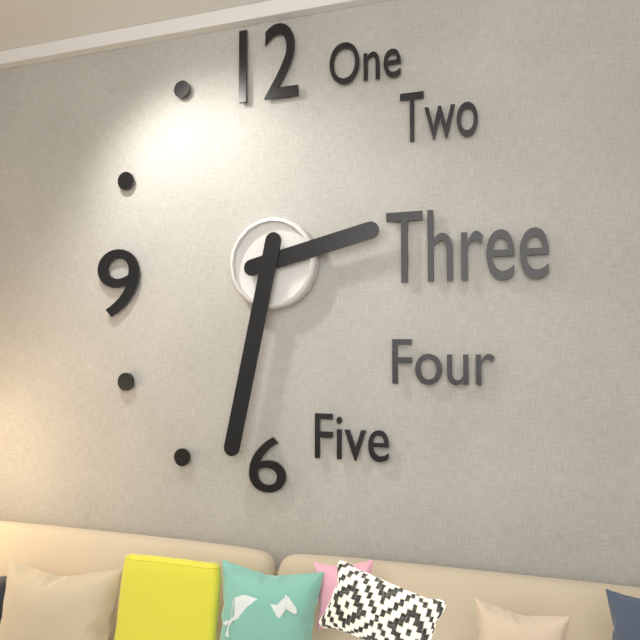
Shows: 2:32
